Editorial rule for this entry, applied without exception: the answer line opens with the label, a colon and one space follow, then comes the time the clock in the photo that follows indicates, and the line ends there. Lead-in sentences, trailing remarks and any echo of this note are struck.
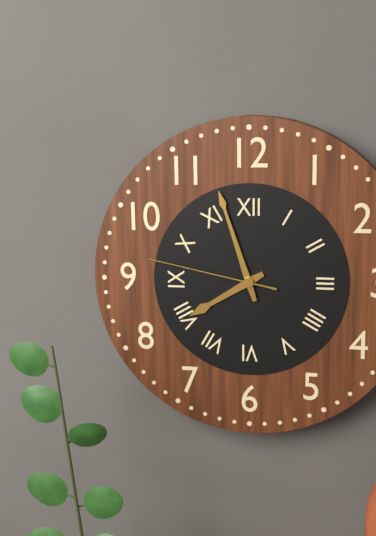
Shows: 7:57:47
